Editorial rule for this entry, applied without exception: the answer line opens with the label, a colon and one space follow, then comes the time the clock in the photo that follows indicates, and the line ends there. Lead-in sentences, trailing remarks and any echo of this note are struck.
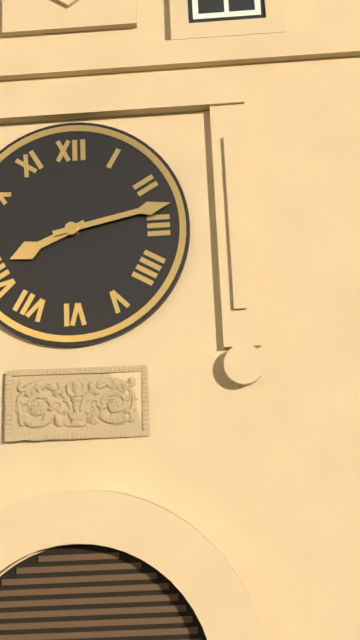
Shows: 8:13
